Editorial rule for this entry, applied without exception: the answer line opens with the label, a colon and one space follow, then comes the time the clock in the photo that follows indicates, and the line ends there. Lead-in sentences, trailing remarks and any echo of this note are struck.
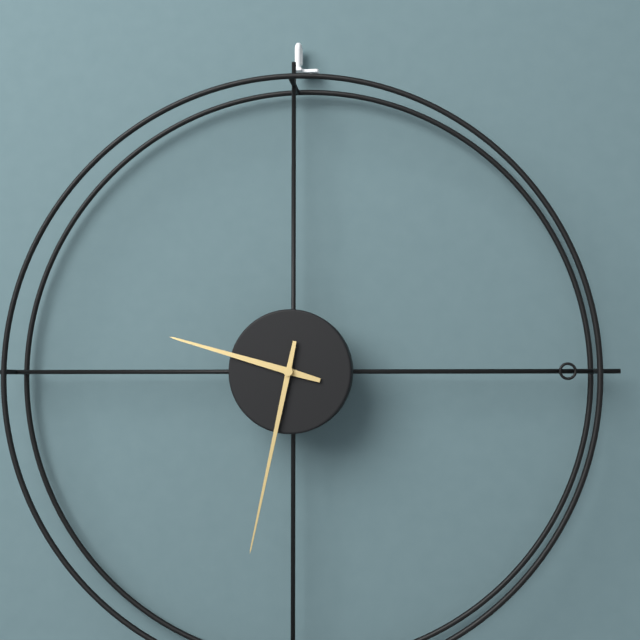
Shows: 9:32
